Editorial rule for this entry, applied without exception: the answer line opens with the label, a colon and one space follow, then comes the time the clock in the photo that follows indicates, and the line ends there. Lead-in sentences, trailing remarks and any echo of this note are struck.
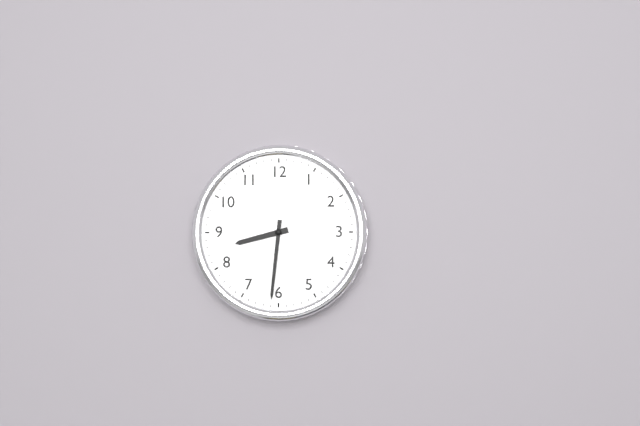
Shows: 8:31
